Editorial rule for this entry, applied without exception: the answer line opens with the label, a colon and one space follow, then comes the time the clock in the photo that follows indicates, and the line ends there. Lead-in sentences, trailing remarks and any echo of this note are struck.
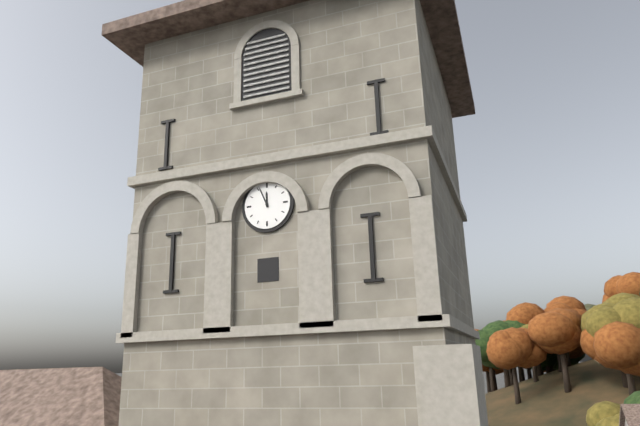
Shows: 11:56
